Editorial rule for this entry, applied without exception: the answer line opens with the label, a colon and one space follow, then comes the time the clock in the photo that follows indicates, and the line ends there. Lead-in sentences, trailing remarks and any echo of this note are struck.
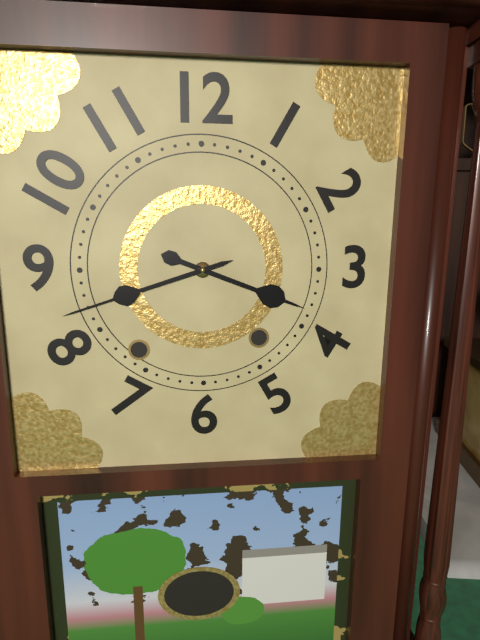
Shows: 3:42
